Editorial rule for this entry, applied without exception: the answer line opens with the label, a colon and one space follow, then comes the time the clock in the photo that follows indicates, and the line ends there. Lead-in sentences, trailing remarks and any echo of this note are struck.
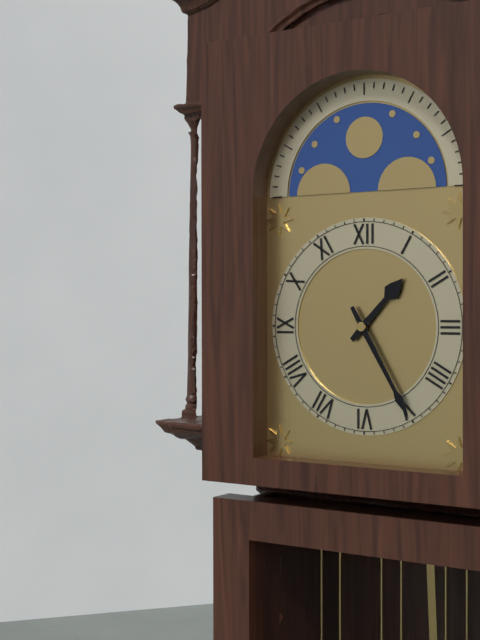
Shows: 1:25
